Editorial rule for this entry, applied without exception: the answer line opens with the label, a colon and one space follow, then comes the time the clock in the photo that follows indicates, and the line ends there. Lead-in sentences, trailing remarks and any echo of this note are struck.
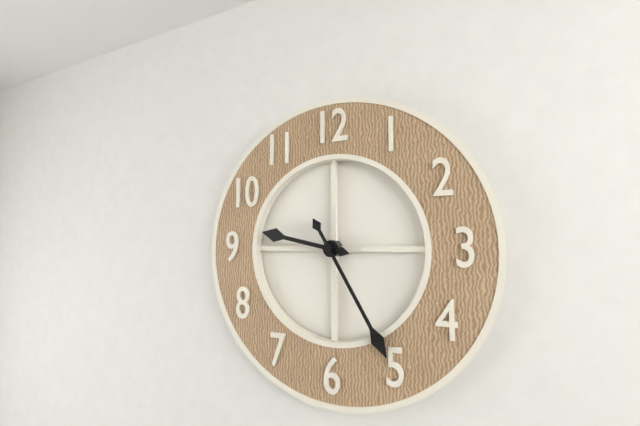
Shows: 9:25
